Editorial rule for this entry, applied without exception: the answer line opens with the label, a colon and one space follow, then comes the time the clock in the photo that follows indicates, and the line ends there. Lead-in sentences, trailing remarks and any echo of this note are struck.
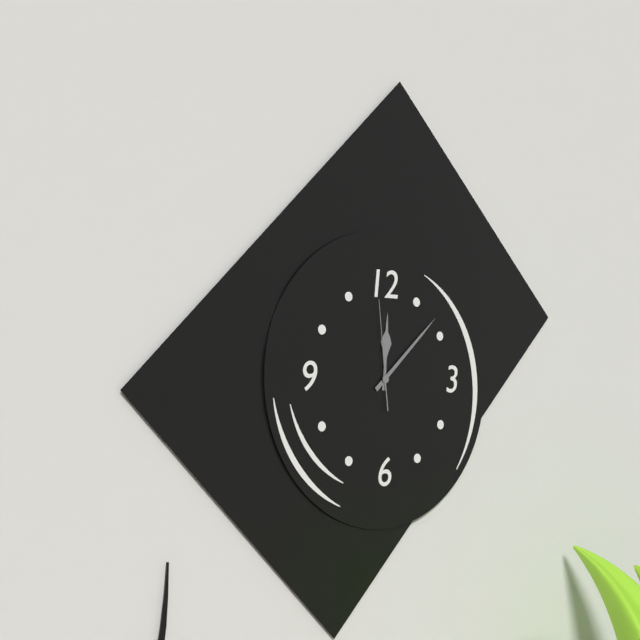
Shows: 12:08:59
